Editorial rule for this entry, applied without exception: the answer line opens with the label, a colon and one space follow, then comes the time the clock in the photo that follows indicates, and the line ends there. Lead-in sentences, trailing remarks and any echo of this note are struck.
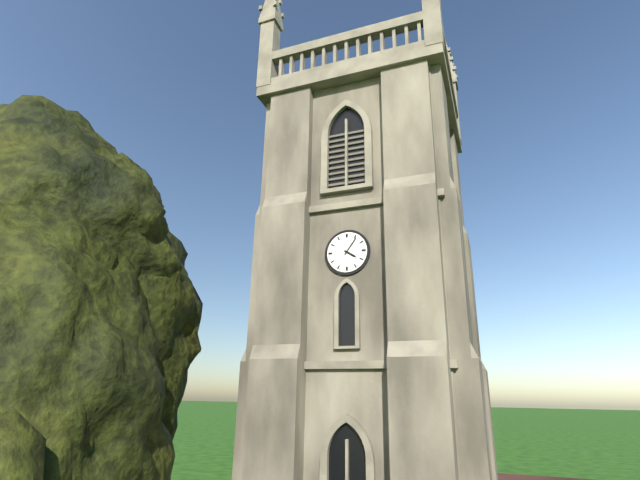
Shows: 4:06
